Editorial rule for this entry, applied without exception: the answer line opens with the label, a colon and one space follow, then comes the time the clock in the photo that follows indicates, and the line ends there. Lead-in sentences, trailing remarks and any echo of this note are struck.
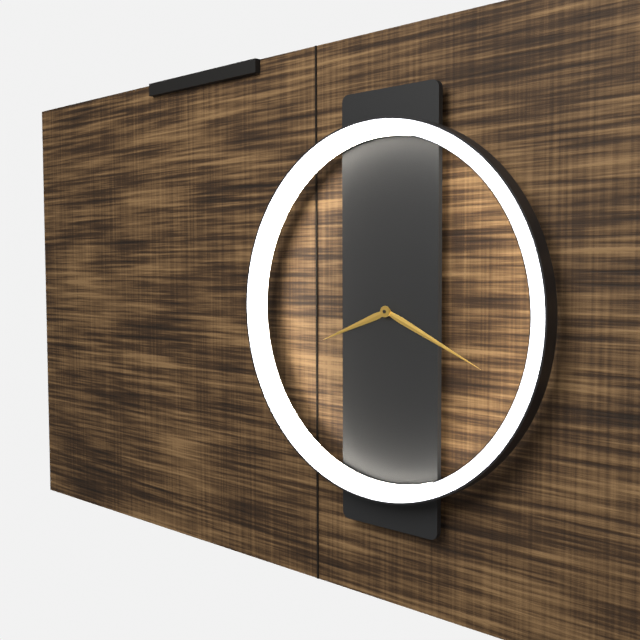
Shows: 8:19
